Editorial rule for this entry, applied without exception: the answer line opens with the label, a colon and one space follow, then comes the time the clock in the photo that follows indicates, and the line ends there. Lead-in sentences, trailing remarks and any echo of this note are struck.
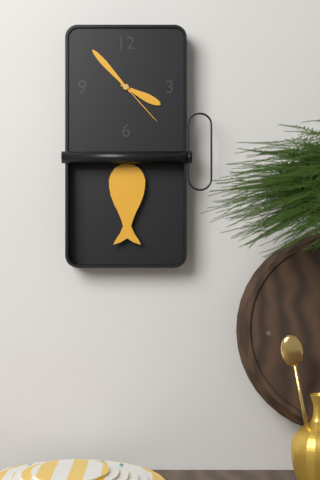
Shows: 3:53:23
